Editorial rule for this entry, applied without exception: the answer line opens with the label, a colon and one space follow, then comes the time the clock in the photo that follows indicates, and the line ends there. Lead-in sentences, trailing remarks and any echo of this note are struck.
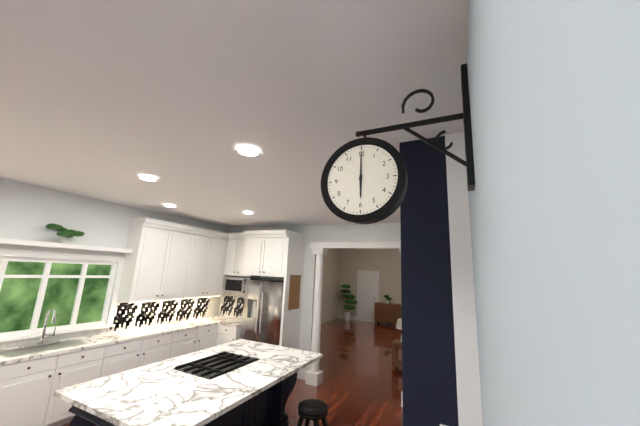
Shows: 6:00
